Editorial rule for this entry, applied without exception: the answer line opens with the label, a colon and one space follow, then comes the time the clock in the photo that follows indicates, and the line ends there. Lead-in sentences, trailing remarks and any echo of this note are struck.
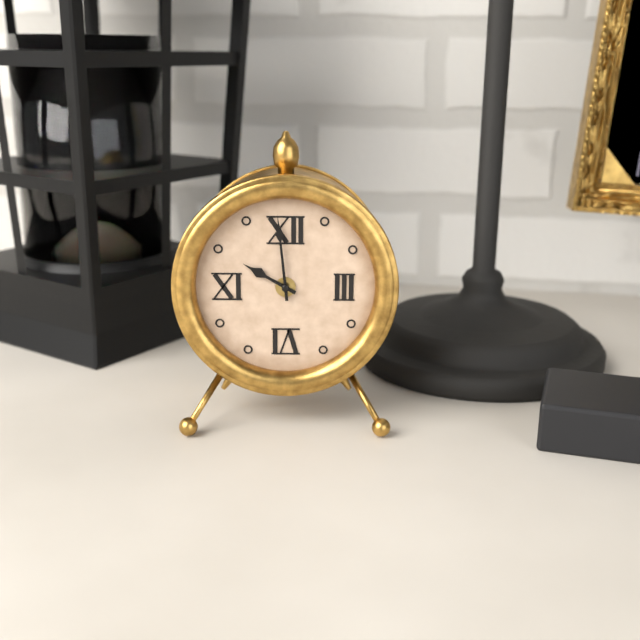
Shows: 9:59
